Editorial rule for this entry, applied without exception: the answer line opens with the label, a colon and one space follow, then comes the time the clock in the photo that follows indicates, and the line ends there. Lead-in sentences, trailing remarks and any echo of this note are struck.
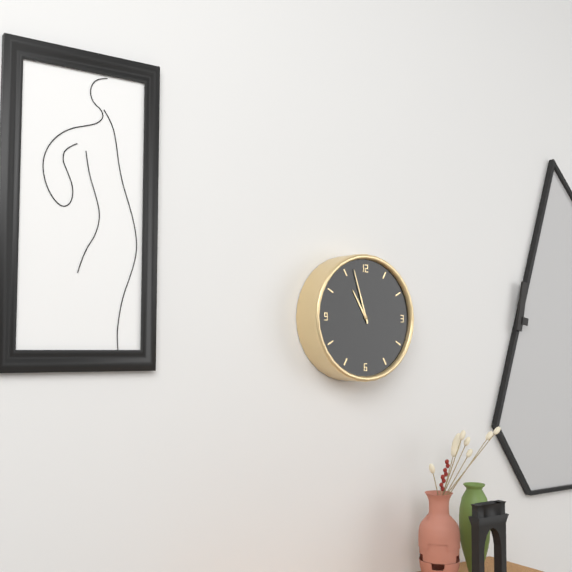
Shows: 10:57
